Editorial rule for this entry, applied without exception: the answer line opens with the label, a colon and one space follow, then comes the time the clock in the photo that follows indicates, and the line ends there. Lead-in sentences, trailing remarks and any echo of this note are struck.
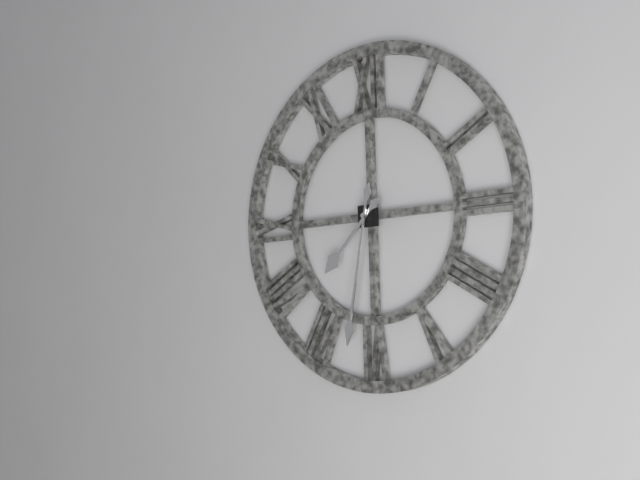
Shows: 7:32
